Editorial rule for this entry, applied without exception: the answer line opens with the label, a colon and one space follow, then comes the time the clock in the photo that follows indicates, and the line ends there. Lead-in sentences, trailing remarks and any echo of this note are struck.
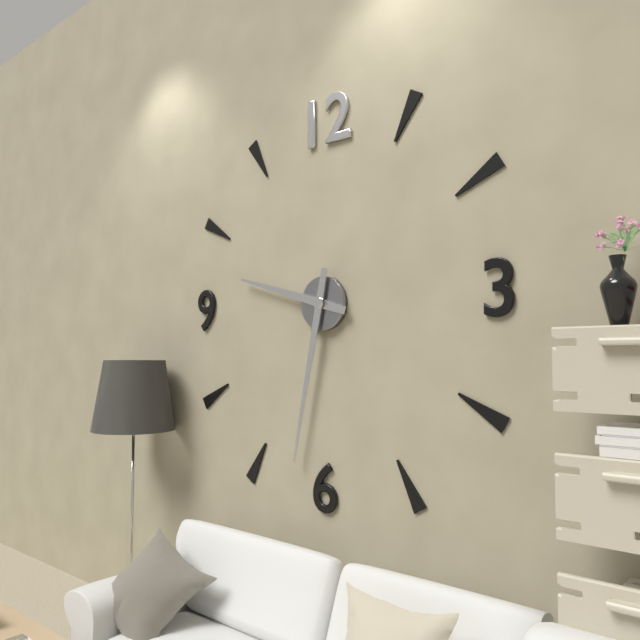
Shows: 9:32
